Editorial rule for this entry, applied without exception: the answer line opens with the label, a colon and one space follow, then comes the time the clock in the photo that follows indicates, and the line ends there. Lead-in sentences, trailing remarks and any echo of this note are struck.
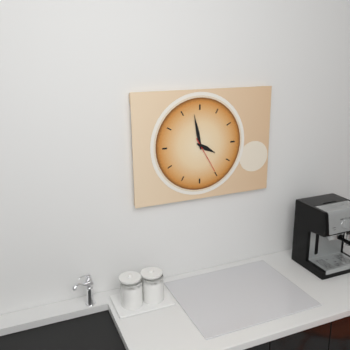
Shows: 3:58
